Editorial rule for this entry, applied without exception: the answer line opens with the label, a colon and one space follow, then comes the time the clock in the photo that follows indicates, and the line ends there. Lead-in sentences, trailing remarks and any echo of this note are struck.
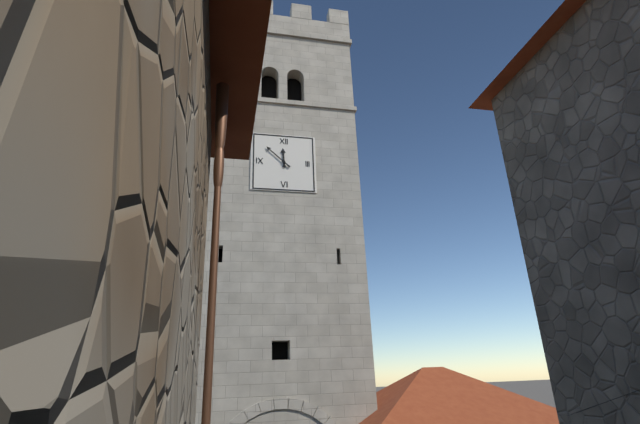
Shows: 11:52
